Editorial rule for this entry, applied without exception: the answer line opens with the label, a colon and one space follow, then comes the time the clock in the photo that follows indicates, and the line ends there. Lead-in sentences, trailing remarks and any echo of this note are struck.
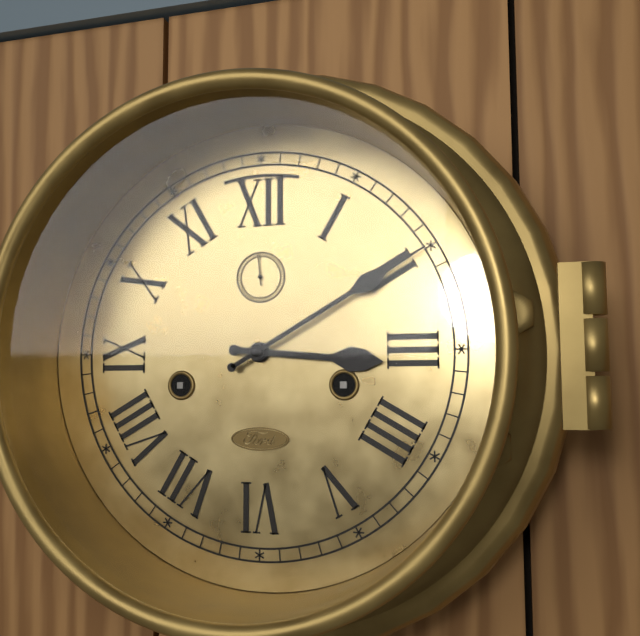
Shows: 3:10
